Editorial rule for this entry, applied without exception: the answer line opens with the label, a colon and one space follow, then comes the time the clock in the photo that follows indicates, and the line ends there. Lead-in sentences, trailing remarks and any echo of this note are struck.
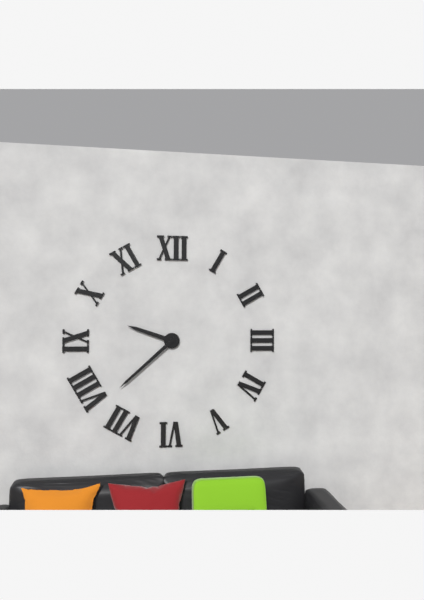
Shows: 9:38
